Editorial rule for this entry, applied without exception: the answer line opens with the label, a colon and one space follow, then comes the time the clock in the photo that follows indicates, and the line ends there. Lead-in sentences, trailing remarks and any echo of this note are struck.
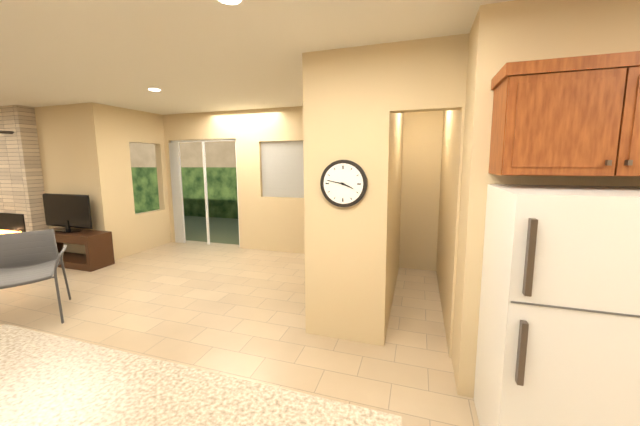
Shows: 3:47
